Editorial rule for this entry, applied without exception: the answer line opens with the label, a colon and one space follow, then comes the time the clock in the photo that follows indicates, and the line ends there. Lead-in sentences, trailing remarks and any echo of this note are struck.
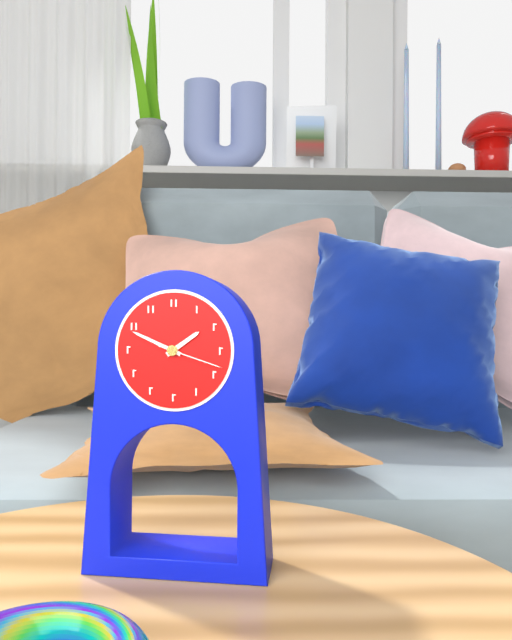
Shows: 1:49:18
